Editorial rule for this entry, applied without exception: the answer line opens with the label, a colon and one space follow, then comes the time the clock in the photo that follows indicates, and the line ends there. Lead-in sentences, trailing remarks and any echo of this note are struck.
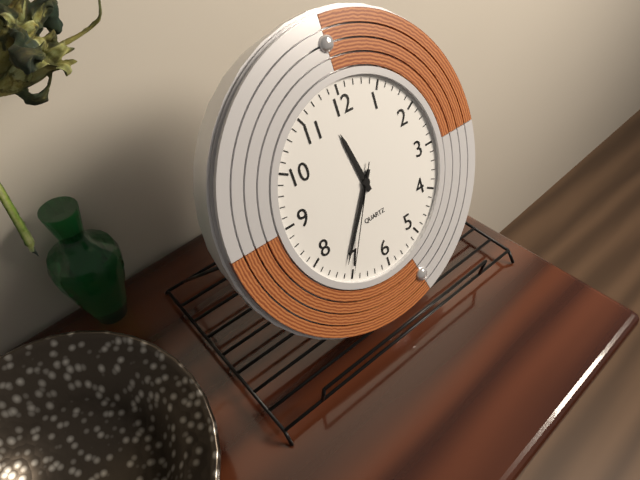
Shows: 11:36:35
